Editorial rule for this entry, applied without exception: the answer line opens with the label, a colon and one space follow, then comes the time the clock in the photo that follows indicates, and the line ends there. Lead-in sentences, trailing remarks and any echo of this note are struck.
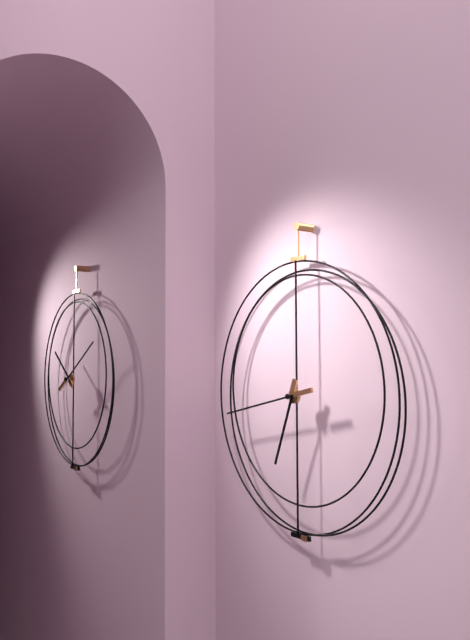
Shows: 6:43
